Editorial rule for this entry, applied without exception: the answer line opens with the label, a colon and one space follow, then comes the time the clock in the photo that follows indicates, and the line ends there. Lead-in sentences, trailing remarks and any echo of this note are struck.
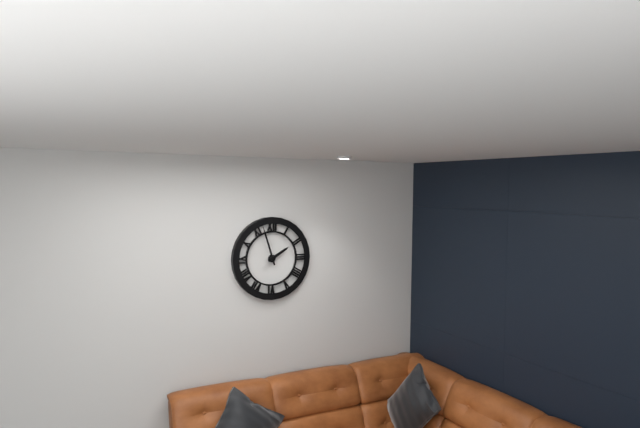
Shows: 1:57
